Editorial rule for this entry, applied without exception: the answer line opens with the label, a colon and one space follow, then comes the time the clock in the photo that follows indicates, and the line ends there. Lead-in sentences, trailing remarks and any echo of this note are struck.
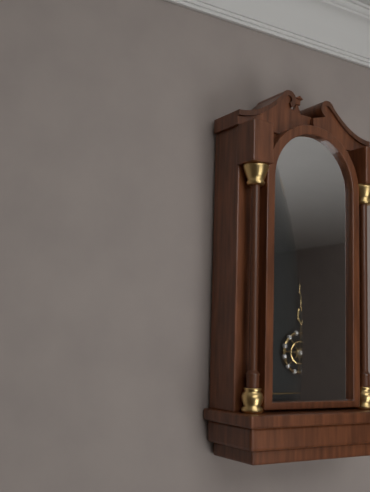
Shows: 6:32
